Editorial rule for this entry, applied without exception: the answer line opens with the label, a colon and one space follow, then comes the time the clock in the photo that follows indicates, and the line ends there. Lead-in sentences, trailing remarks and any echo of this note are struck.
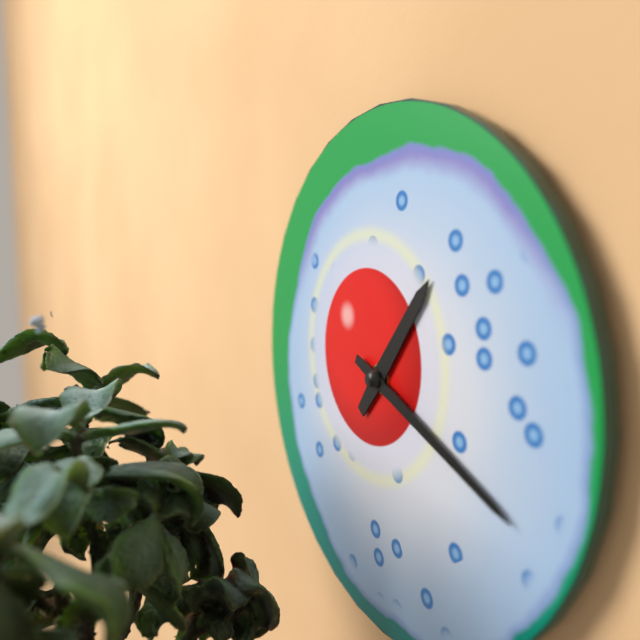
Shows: 1:19
